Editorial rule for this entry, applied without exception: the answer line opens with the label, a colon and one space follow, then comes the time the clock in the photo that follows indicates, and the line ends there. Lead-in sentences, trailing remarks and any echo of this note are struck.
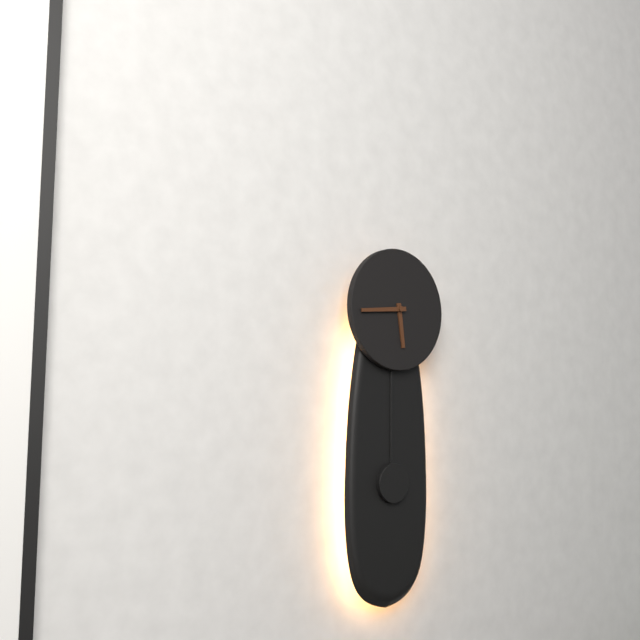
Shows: 5:44
